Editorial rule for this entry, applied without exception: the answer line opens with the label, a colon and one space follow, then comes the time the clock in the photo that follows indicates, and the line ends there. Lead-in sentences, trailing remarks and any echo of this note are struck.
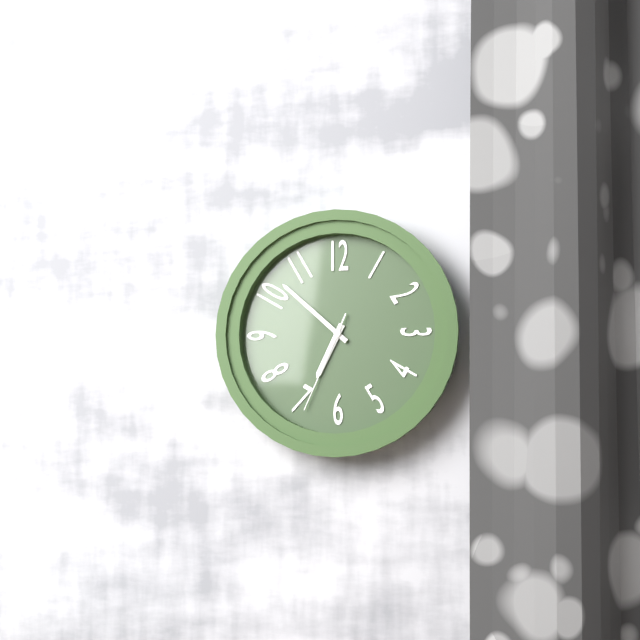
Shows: 6:52:34
